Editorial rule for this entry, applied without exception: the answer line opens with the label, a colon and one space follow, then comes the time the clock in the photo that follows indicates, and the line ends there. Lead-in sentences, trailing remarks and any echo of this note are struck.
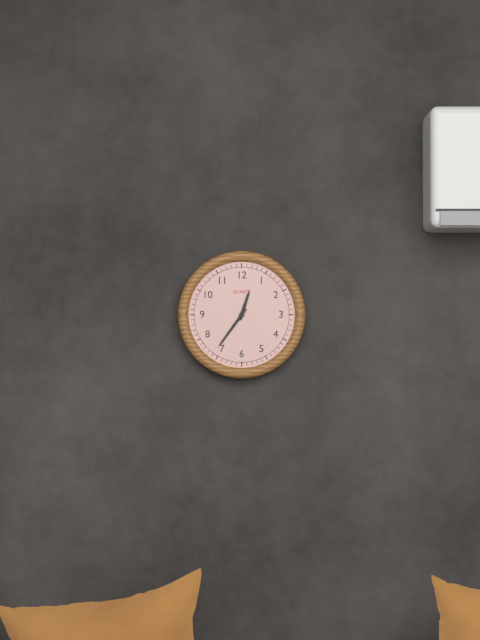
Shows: 12:36
